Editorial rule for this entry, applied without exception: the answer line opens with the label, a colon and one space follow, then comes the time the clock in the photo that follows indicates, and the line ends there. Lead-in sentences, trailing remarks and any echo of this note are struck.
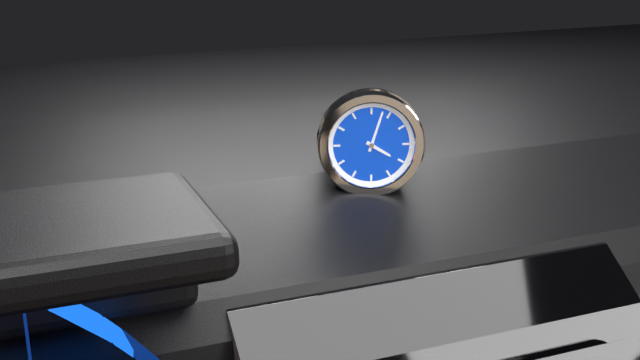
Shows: 4:03
